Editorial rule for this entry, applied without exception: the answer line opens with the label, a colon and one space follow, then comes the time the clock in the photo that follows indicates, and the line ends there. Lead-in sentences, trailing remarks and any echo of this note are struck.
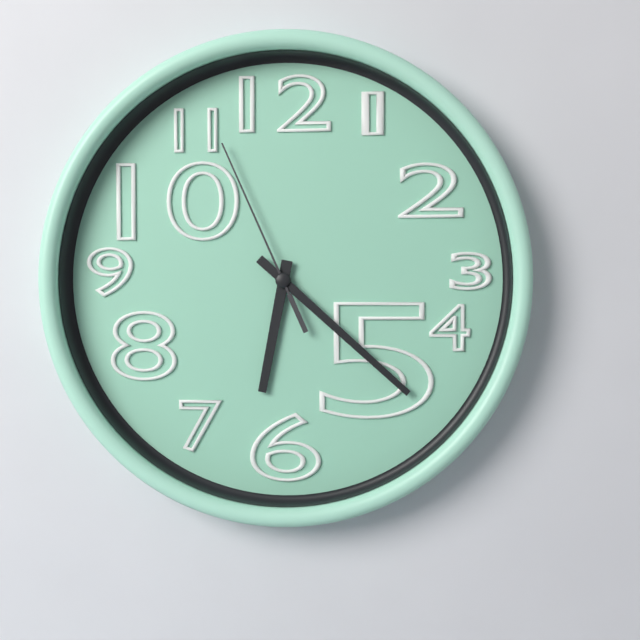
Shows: 6:22:56
